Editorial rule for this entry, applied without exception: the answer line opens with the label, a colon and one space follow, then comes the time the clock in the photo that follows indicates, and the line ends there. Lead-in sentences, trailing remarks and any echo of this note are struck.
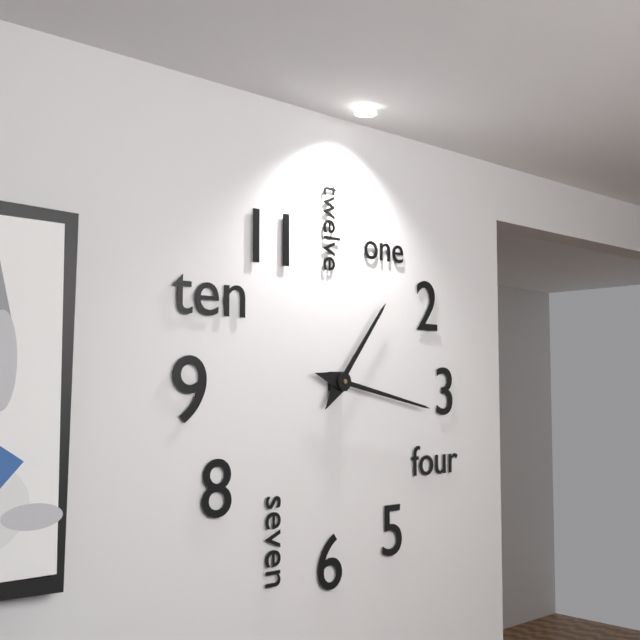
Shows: 1:17
